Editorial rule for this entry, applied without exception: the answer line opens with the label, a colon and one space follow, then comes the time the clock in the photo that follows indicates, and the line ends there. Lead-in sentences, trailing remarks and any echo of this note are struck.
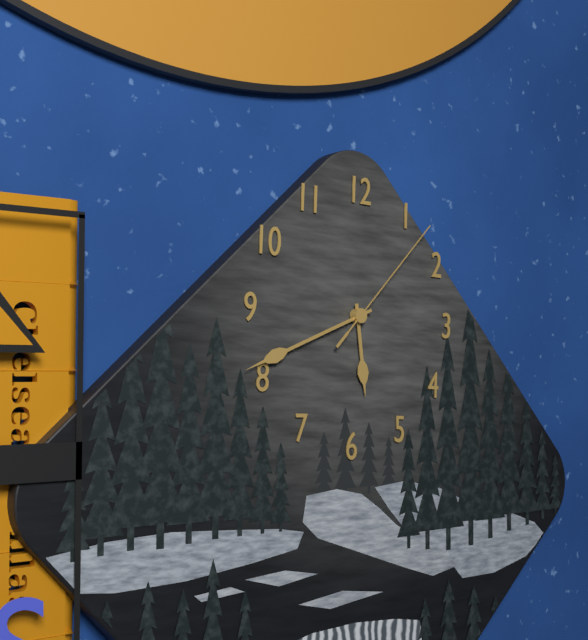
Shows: 5:41:07
